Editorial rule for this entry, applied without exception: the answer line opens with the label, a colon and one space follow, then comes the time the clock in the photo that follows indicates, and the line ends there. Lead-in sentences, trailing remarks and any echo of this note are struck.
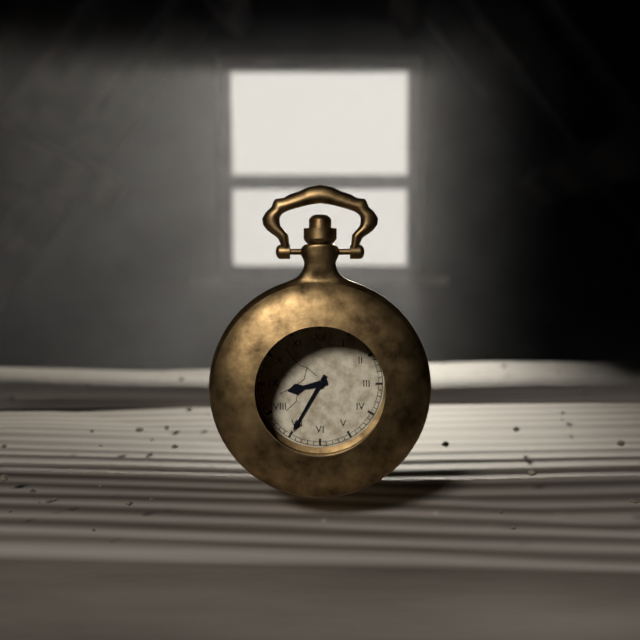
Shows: 8:35
